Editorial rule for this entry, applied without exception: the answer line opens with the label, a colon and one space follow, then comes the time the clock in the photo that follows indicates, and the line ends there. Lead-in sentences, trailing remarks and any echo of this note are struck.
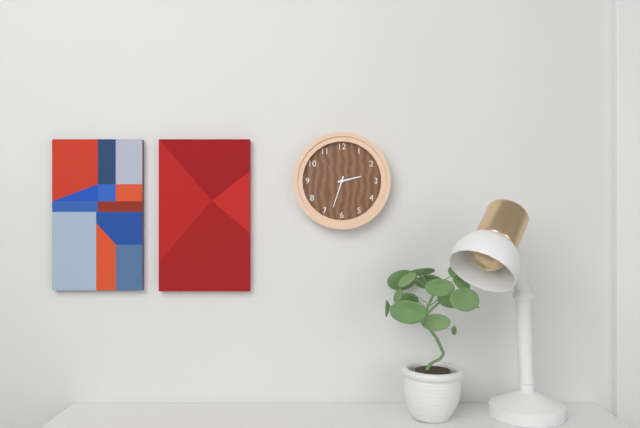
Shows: 2:33
